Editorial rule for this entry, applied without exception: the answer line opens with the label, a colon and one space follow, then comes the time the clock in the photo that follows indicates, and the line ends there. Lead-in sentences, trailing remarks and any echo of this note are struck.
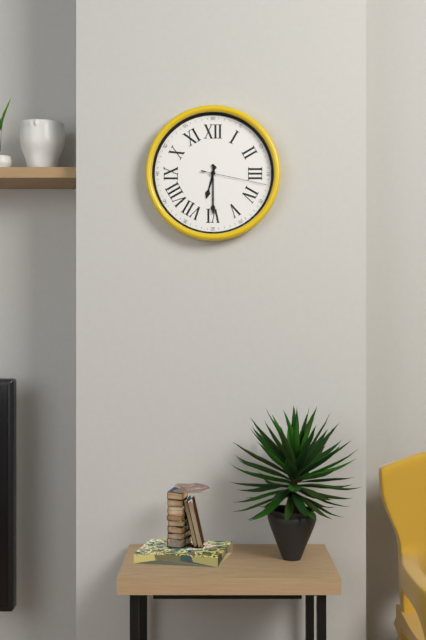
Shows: 6:30:17
